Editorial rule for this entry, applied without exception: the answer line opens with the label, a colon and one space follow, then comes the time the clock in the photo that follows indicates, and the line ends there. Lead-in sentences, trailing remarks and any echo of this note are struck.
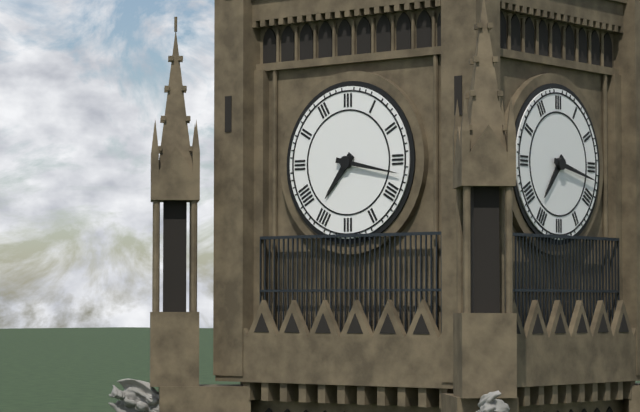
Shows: 7:17
